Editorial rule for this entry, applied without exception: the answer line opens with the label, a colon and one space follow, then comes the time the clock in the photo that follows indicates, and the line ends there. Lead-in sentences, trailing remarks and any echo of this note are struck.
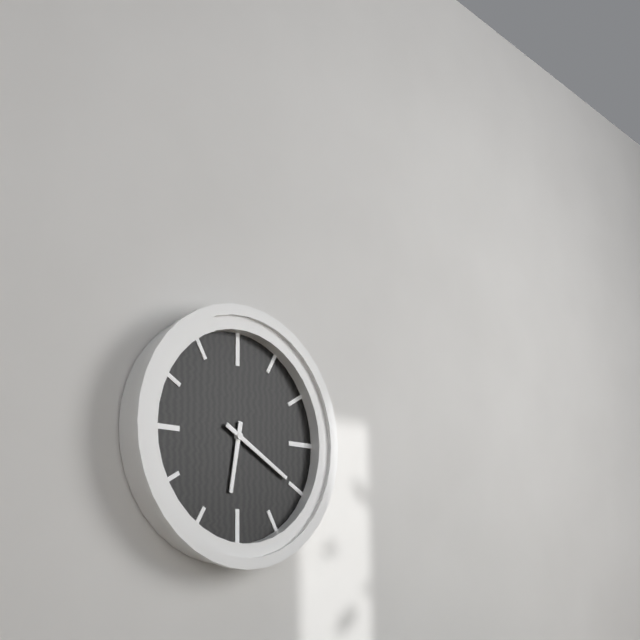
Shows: 6:20
